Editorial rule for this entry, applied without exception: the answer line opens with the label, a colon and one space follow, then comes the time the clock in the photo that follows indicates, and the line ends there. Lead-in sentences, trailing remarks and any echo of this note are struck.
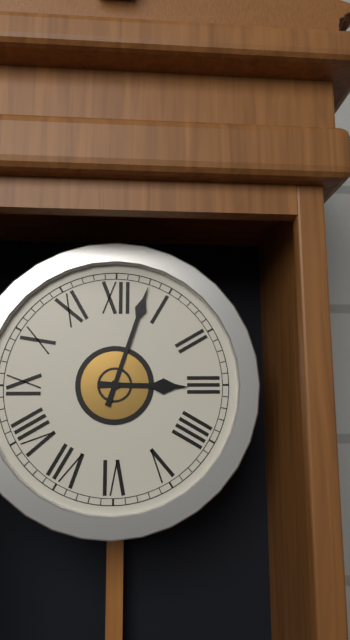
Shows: 3:03
